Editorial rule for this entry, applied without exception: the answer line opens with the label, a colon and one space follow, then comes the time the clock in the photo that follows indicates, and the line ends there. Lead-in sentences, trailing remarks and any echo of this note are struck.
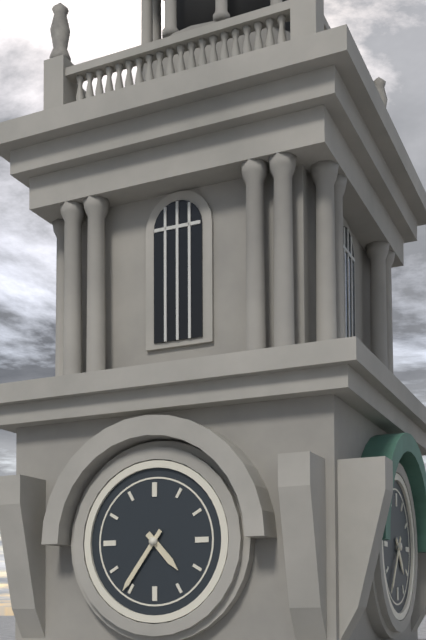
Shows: 4:36
